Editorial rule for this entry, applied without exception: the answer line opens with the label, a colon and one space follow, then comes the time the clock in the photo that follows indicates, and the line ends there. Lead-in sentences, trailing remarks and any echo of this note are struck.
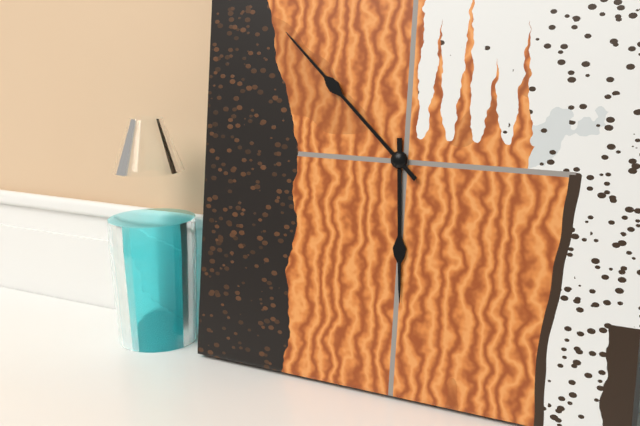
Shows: 5:52
